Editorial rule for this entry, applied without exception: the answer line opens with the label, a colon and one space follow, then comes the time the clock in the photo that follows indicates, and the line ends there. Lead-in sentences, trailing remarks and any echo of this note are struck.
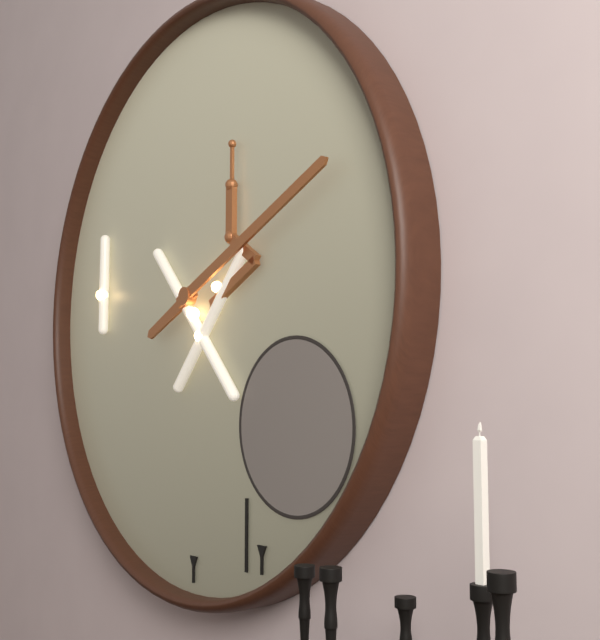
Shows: 8:11
